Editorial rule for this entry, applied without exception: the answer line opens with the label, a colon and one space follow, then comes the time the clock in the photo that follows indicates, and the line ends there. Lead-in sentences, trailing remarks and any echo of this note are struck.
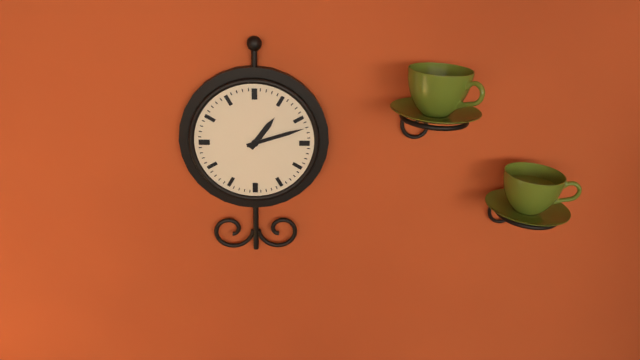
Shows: 1:12
